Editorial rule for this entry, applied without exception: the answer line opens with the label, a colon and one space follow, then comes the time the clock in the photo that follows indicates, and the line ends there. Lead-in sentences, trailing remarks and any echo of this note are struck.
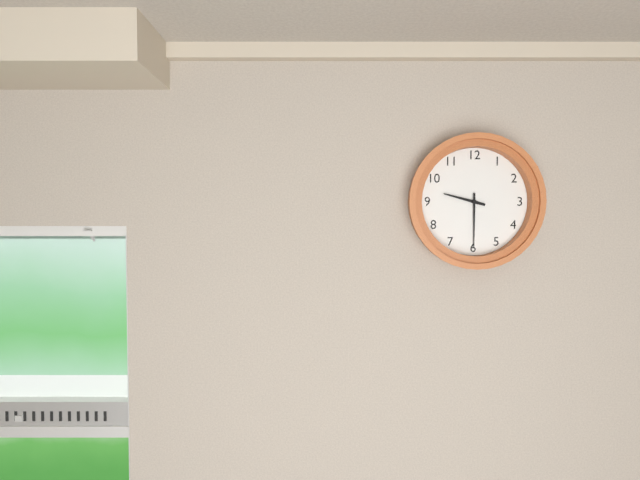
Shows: 9:30
